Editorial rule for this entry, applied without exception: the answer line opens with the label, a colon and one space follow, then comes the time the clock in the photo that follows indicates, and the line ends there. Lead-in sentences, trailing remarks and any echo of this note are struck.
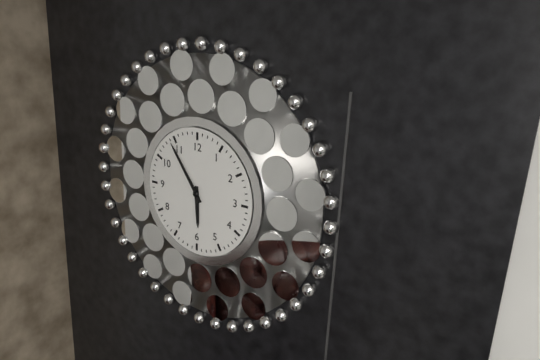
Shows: 5:54
